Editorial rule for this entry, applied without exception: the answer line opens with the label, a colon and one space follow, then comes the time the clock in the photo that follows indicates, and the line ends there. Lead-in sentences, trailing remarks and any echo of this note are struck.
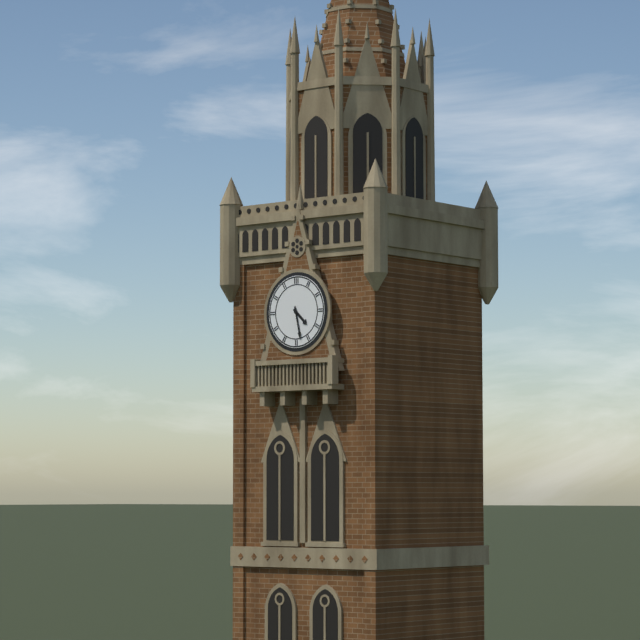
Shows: 4:28
